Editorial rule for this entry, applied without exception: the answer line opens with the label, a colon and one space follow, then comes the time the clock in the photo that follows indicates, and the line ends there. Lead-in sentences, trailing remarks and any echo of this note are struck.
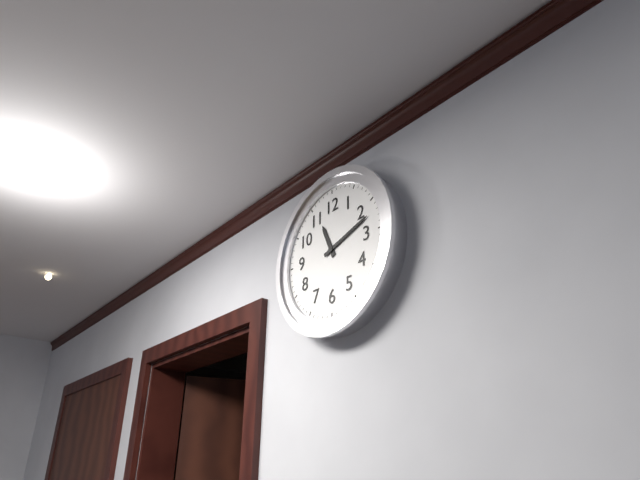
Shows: 11:12
